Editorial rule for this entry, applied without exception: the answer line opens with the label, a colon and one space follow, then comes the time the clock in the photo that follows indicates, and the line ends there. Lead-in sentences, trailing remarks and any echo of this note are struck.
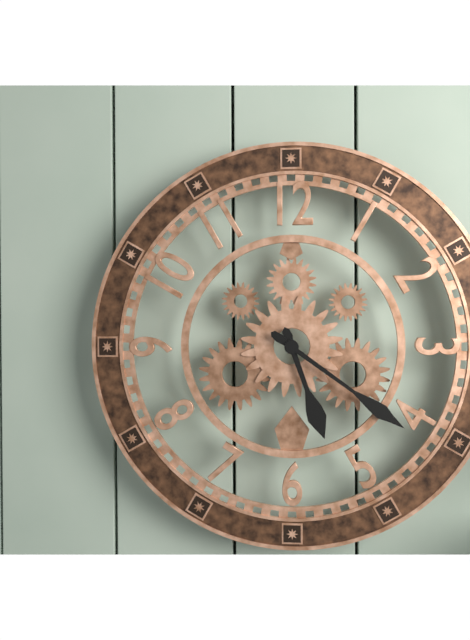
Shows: 5:21
